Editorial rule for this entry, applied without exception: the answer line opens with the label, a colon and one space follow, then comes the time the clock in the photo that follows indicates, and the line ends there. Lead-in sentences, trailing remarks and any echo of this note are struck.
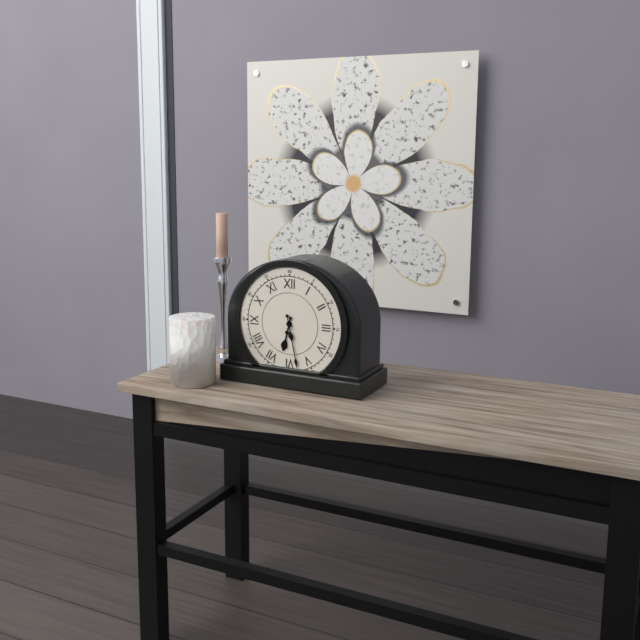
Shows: 6:28
